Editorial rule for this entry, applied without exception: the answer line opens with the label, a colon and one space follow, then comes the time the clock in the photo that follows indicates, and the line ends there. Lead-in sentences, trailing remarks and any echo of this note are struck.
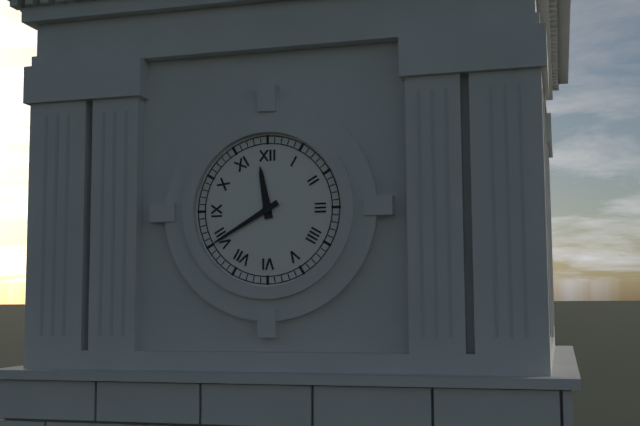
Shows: 11:40
